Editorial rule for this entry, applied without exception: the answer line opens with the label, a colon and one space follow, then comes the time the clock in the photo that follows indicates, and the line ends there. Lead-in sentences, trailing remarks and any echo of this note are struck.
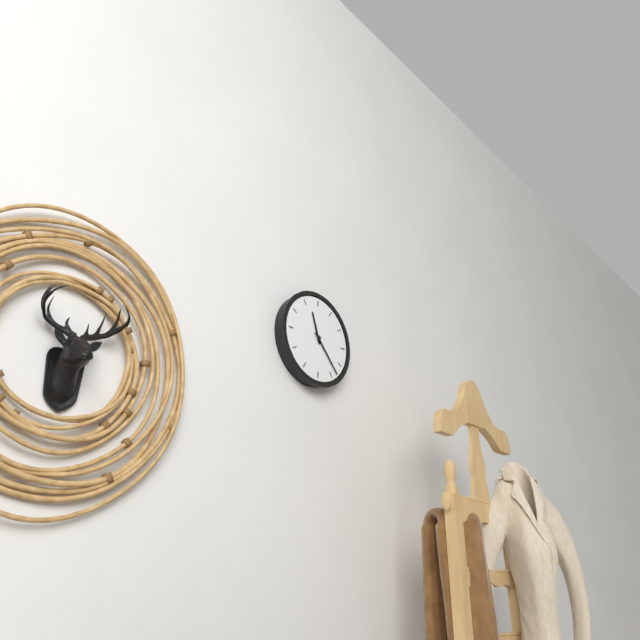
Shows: 11:23
